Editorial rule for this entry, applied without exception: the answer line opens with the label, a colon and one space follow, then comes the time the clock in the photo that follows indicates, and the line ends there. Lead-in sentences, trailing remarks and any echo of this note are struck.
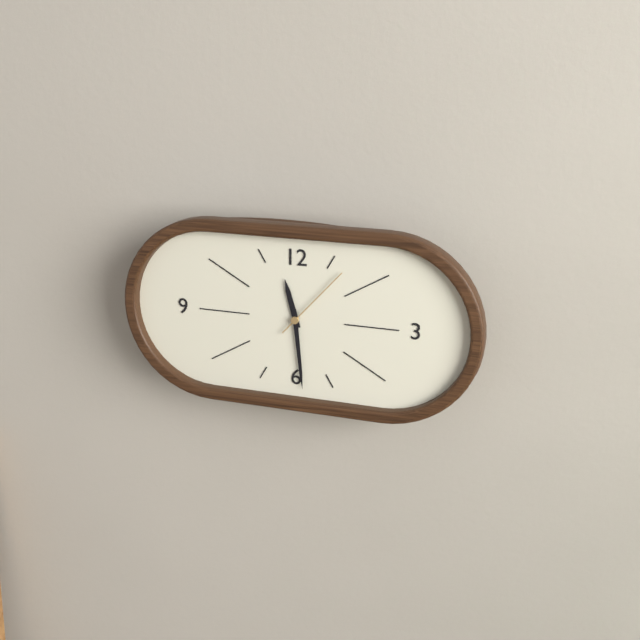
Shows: 11:29:07
